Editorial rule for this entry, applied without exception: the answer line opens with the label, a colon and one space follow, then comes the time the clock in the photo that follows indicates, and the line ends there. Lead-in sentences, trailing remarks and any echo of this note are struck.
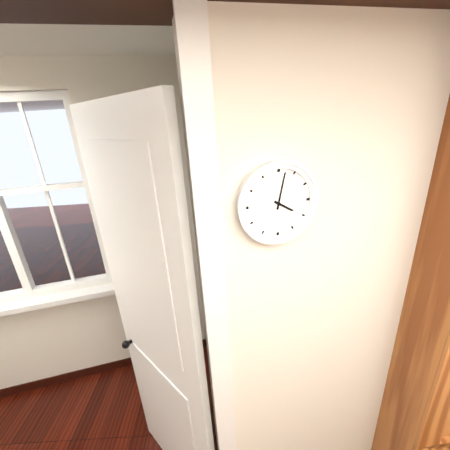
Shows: 4:02
